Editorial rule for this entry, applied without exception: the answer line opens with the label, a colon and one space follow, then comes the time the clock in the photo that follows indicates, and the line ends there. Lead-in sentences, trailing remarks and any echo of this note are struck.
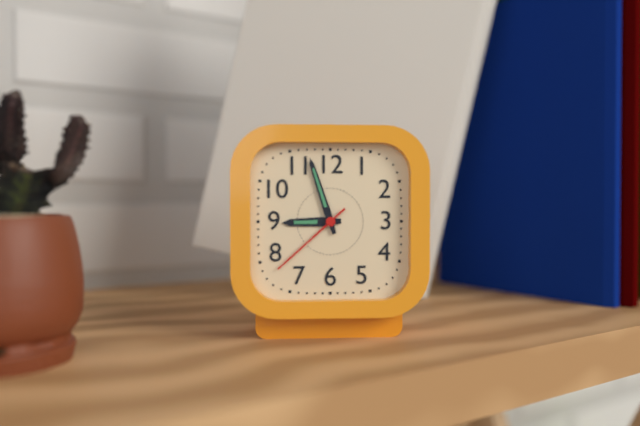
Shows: 8:57:38
